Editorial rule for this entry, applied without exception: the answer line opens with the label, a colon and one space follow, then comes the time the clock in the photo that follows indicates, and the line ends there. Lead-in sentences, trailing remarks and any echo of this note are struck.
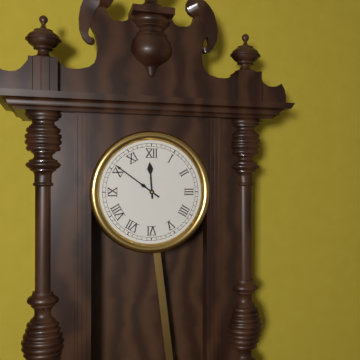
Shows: 11:51
